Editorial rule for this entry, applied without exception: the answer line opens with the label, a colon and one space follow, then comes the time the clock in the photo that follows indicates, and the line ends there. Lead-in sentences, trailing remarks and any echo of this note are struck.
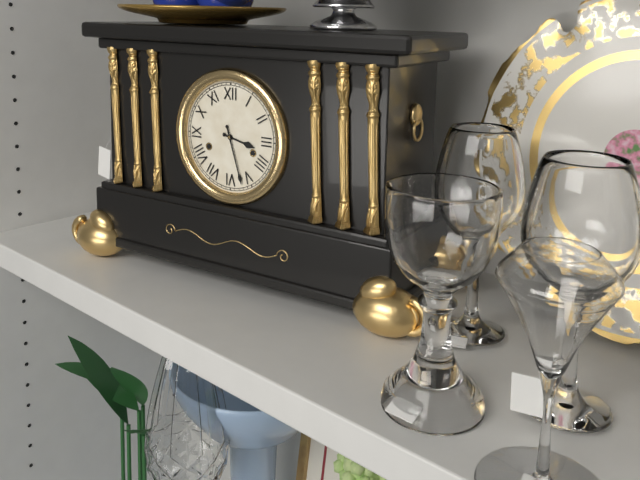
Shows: 3:27
